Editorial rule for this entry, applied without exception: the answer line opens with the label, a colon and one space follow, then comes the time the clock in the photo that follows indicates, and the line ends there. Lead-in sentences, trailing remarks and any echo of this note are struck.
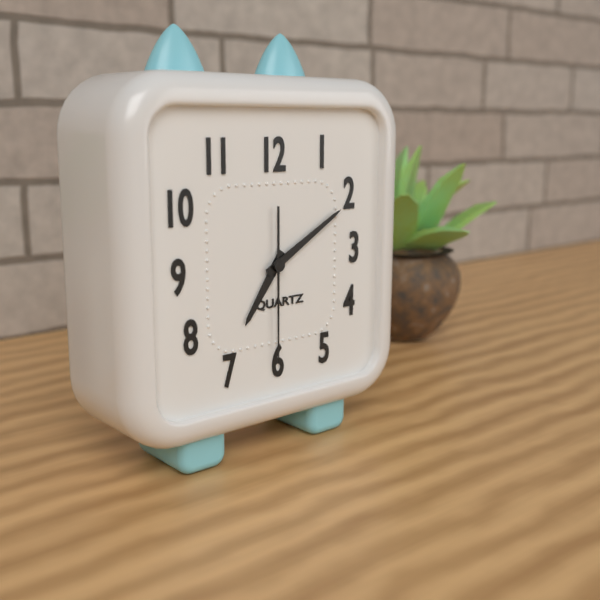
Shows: 7:10:30
